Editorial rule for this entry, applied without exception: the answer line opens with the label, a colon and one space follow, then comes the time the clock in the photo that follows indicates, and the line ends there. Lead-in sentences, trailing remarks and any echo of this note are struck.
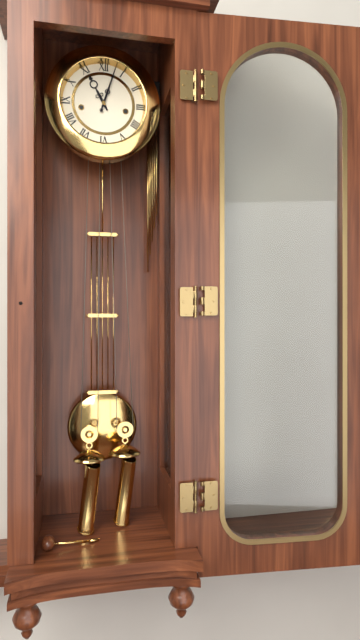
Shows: 11:03
